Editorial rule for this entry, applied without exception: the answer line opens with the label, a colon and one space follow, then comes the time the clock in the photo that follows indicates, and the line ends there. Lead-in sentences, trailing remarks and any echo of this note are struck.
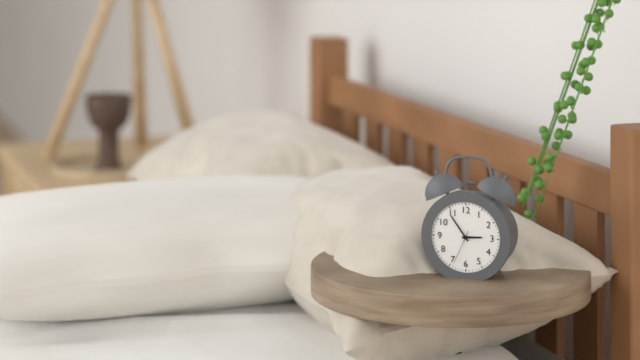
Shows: 2:54
